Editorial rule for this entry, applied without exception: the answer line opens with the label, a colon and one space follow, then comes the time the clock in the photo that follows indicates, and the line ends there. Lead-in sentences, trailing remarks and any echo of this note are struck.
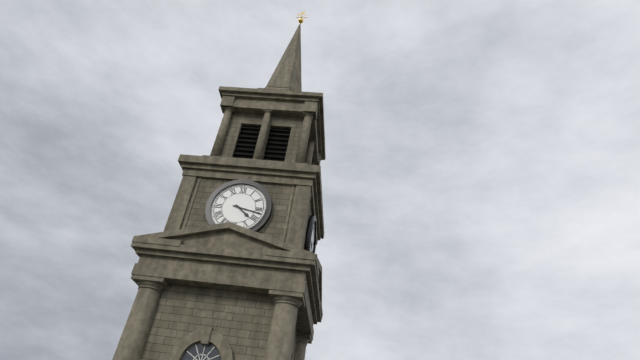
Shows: 4:17
